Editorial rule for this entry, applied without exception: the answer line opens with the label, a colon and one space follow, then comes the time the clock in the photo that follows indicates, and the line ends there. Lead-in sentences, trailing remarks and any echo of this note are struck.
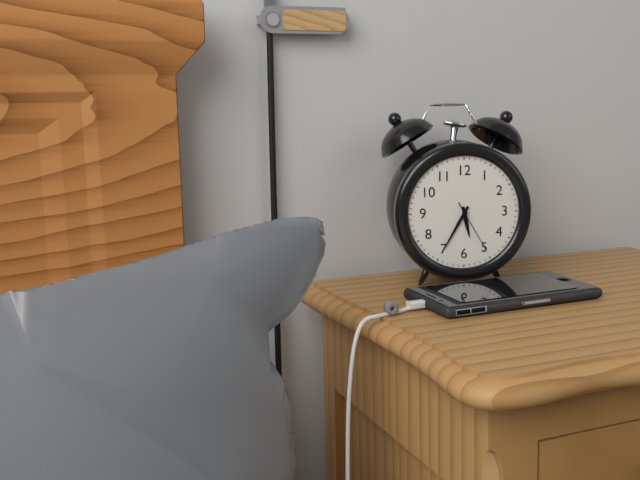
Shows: 5:35:25
